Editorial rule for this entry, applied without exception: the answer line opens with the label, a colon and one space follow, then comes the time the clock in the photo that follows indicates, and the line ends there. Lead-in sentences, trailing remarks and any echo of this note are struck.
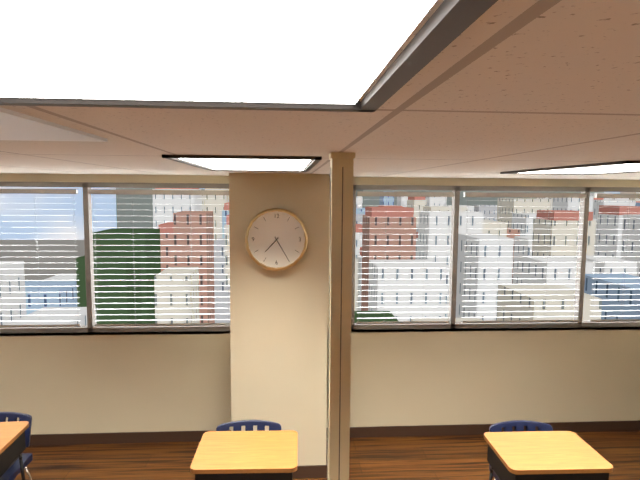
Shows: 7:25
